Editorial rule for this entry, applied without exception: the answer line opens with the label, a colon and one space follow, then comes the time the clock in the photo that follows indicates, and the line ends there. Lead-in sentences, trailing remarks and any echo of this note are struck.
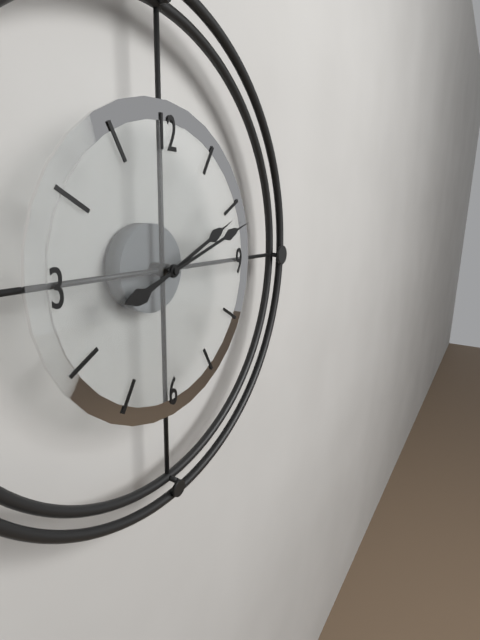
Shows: 2:12
